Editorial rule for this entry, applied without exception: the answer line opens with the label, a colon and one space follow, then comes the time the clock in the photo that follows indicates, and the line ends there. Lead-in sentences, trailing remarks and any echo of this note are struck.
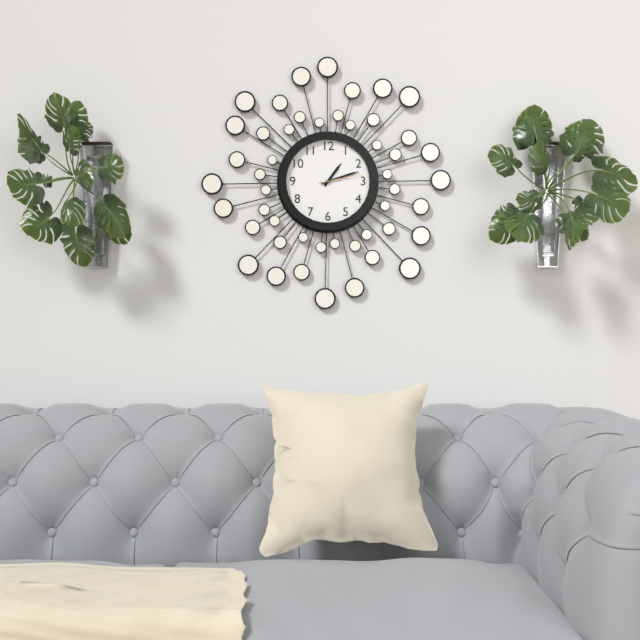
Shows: 1:12
